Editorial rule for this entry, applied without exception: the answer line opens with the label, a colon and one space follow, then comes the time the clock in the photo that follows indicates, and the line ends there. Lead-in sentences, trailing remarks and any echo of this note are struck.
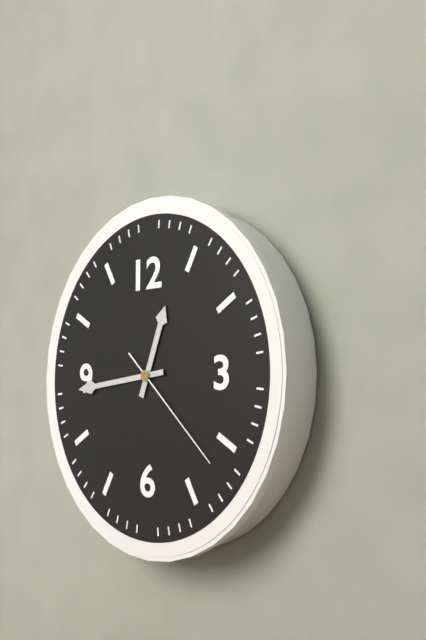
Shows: 12:44:22
